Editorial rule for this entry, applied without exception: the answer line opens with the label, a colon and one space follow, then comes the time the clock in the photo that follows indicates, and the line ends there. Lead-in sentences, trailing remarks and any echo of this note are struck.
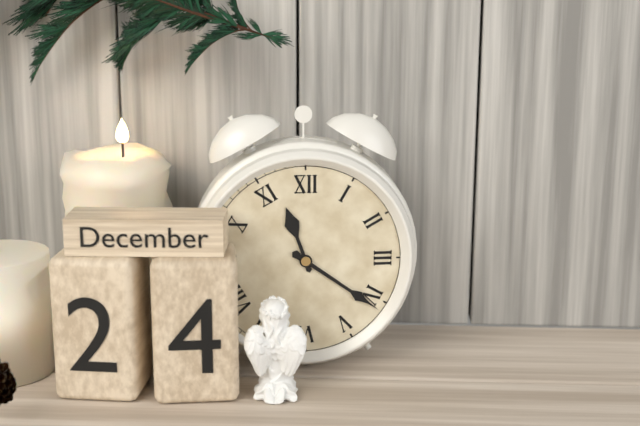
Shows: 11:21
